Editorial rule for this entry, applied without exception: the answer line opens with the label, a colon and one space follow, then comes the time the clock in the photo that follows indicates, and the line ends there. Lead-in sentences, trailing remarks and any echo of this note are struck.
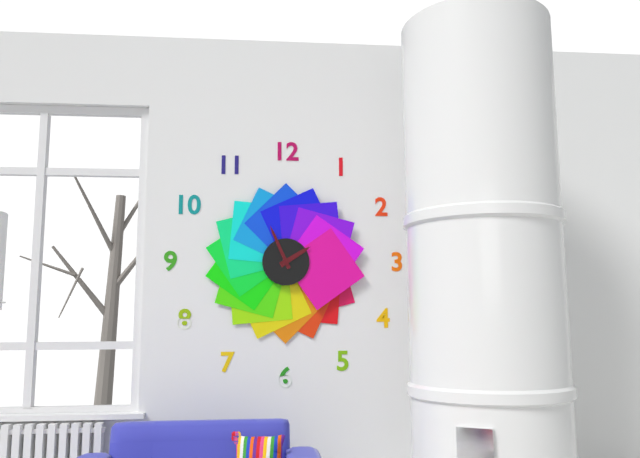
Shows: 1:56
